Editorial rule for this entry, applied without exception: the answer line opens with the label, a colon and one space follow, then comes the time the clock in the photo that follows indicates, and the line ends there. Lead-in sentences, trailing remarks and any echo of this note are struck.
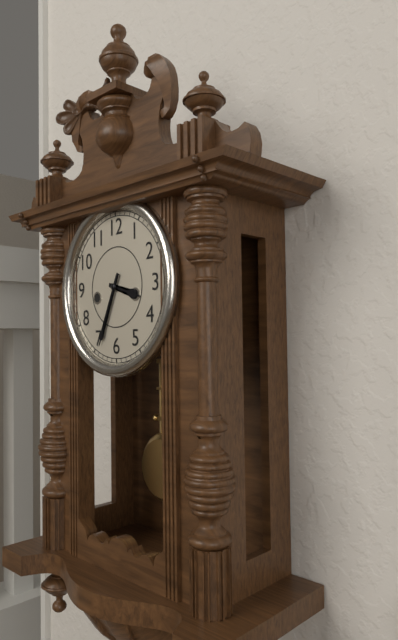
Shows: 3:34
